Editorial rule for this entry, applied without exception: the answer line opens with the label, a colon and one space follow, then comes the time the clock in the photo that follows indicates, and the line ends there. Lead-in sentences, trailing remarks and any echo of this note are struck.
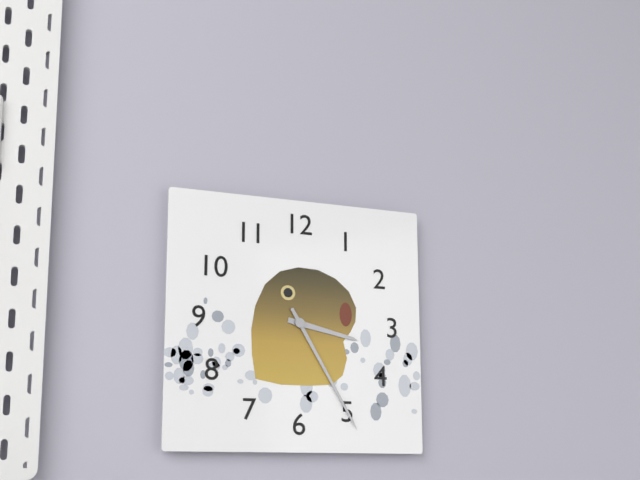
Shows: 3:25
